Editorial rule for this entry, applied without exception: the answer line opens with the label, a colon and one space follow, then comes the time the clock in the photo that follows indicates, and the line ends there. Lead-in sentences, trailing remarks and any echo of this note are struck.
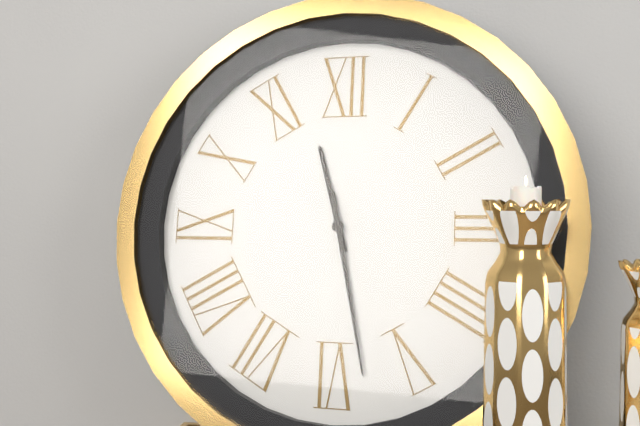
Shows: 11:28
